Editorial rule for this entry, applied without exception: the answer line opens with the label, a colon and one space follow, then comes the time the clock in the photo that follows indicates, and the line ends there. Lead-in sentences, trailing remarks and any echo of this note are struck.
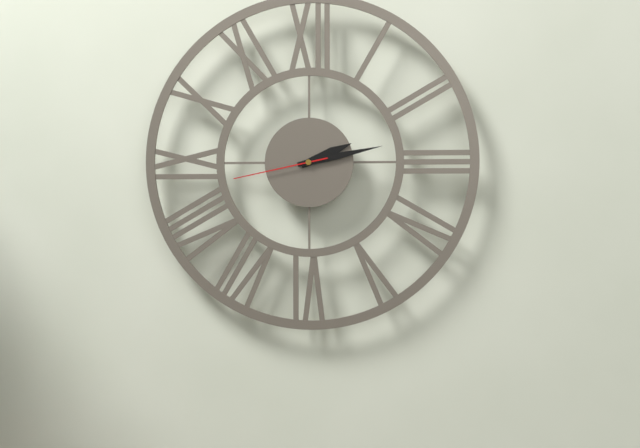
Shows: 2:13:43
